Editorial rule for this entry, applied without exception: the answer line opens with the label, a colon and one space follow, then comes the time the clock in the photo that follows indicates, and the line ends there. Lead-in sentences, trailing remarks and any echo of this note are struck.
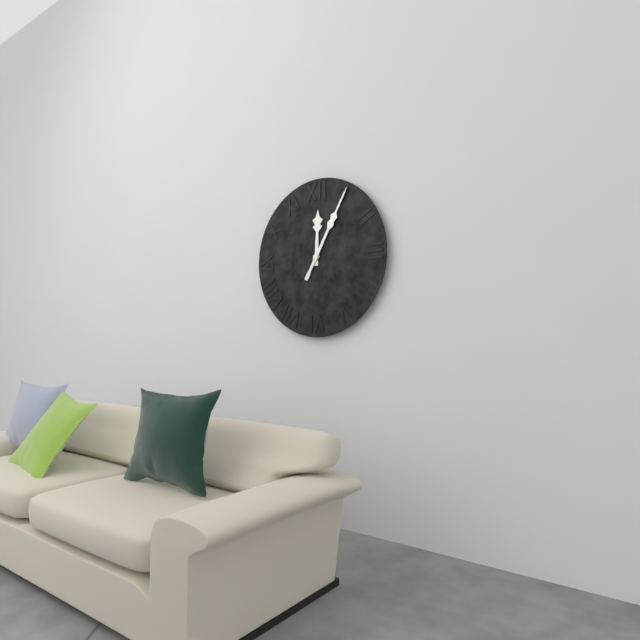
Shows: 12:05
